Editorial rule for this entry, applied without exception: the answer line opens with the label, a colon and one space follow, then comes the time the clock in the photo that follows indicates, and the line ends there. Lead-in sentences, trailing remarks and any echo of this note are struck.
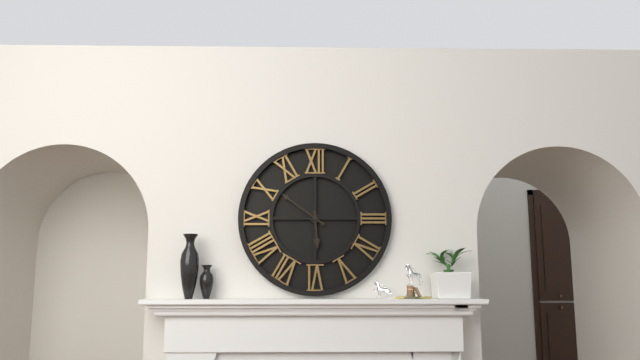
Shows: 5:51
